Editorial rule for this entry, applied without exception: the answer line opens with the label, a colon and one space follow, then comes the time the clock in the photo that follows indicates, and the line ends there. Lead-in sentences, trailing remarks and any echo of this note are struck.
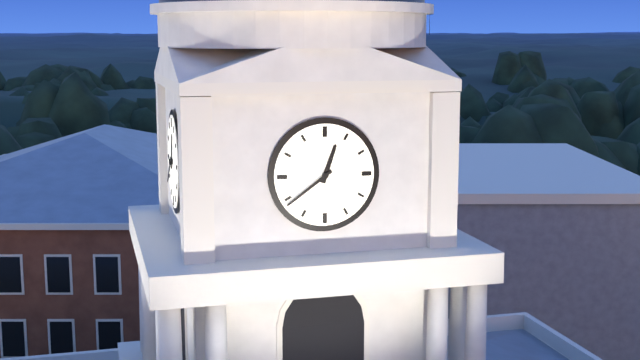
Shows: 12:39
